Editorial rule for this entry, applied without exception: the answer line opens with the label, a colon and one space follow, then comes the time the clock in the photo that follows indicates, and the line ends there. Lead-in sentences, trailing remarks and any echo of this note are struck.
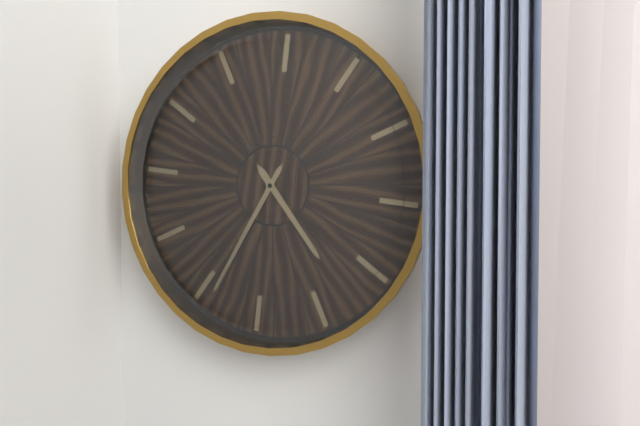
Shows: 4:34
